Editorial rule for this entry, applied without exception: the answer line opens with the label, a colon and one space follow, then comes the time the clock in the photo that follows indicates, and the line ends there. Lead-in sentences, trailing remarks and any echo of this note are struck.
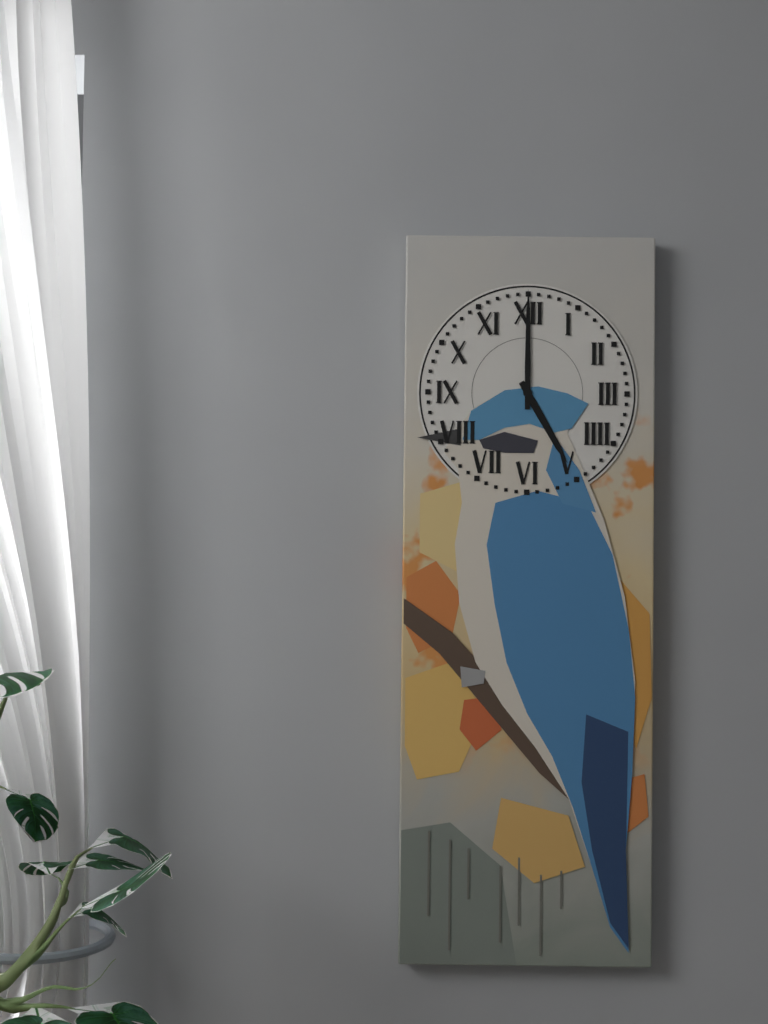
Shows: 5:00
